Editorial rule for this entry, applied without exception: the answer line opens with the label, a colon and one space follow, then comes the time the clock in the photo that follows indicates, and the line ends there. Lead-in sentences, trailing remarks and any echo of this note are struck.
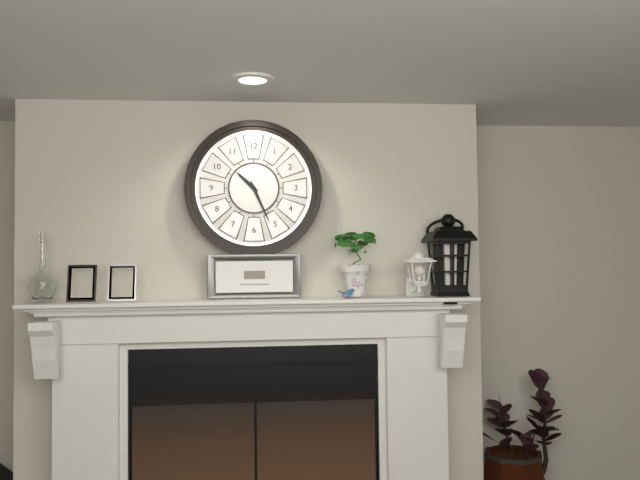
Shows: 10:26
